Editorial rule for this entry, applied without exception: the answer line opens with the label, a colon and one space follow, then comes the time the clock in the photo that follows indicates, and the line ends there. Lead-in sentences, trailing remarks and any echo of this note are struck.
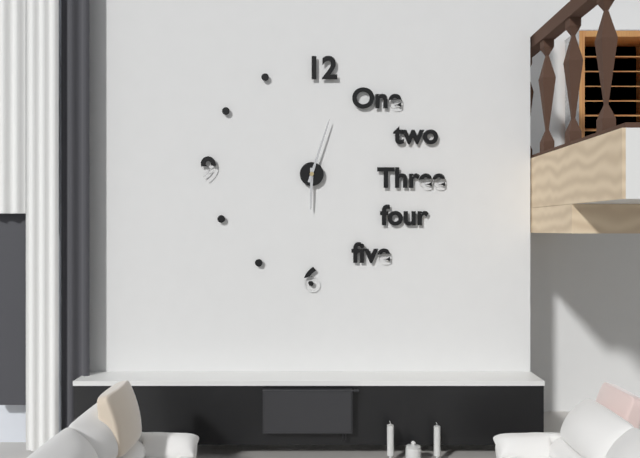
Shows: 6:03
